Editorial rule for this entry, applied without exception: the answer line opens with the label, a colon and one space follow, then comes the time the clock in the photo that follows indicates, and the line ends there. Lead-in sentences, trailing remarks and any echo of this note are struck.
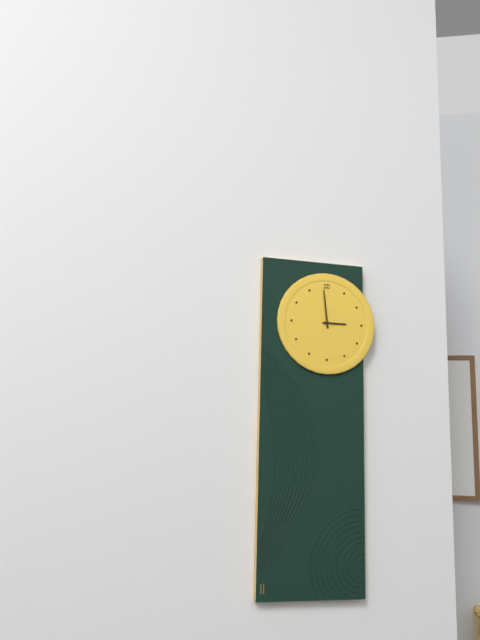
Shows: 2:59
